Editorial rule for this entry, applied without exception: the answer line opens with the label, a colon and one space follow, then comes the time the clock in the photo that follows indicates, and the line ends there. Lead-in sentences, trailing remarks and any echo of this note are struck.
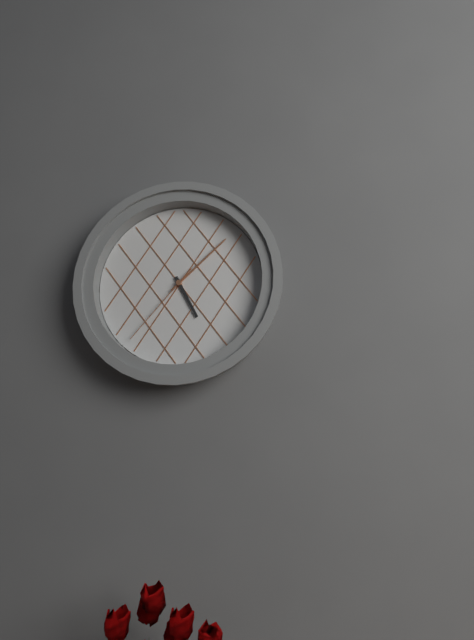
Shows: 5:08:37
